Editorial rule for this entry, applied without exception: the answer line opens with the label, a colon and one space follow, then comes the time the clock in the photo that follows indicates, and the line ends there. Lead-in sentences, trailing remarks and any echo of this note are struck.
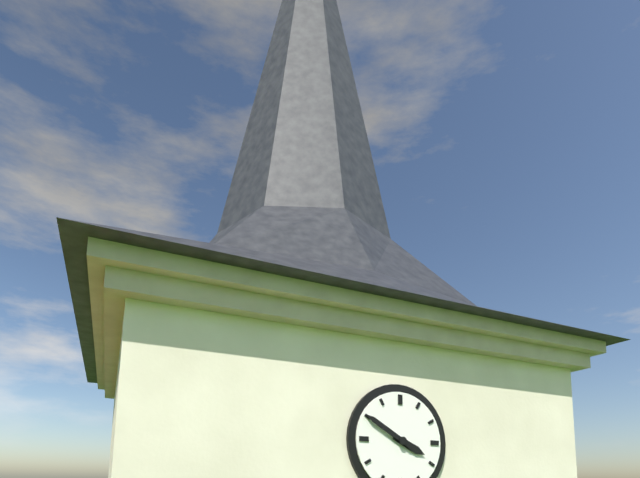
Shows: 3:50
